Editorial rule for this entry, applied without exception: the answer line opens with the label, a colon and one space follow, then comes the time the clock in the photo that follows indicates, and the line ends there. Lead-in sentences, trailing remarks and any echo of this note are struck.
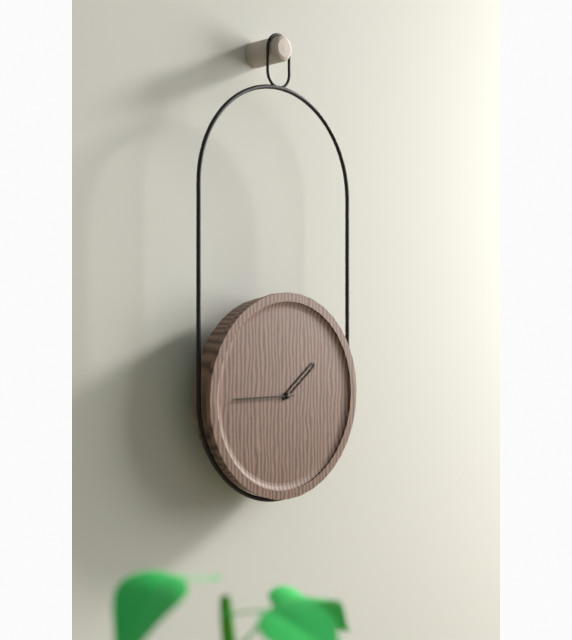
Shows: 1:45
